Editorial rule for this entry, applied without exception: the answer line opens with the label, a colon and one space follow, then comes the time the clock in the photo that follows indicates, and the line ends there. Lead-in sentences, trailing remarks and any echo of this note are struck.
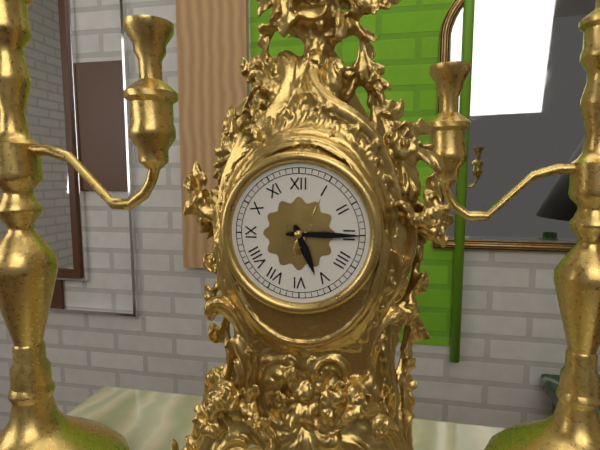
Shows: 5:15
